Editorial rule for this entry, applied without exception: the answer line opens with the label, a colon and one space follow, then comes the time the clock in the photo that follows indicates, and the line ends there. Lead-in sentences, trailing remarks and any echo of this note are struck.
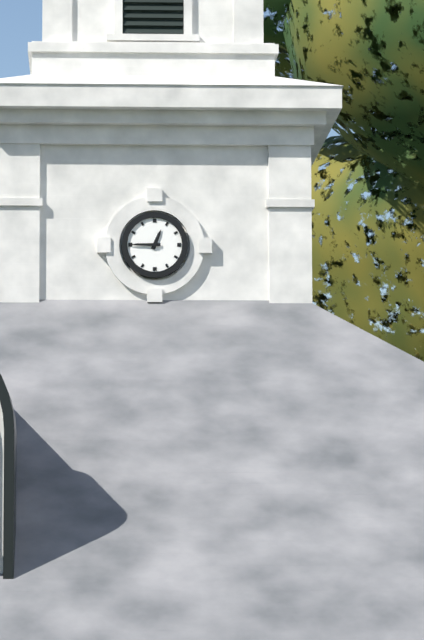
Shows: 12:45
